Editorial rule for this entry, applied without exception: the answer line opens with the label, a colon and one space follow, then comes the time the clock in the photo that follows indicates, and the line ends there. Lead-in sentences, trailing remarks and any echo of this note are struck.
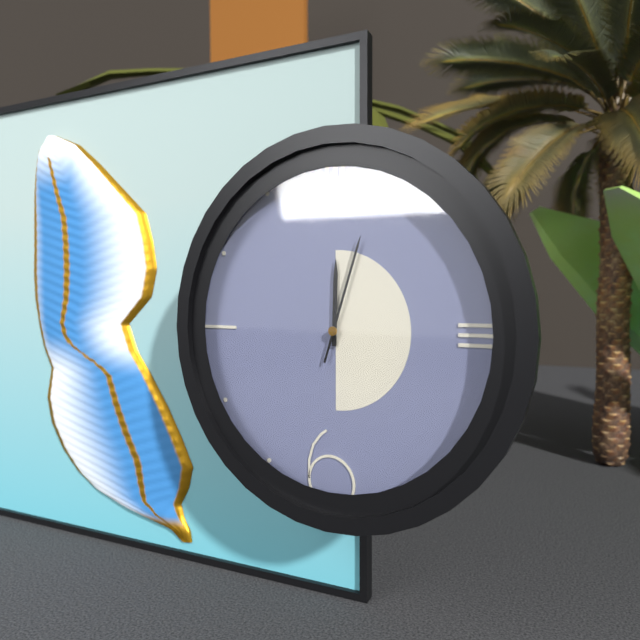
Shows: 12:03
